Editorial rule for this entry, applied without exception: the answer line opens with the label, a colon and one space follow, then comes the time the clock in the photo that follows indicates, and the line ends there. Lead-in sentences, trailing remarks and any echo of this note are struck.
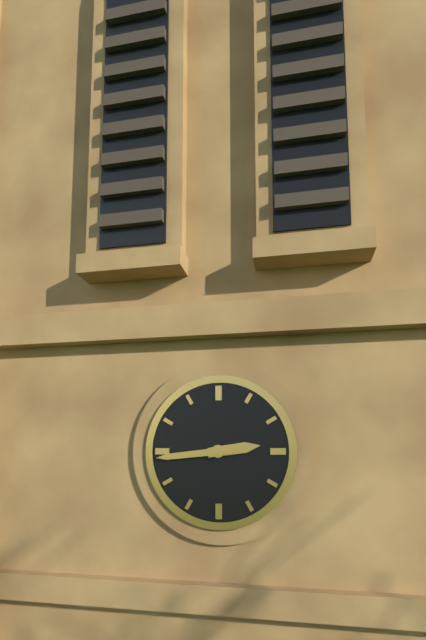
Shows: 2:44
